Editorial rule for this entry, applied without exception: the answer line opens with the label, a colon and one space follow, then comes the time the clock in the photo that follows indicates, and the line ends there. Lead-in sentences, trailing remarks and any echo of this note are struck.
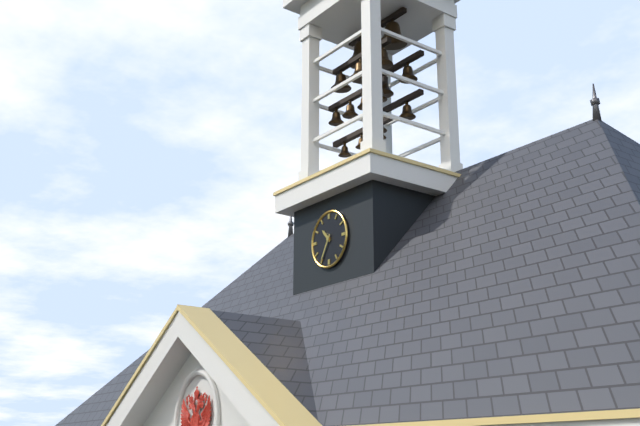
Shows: 10:35
